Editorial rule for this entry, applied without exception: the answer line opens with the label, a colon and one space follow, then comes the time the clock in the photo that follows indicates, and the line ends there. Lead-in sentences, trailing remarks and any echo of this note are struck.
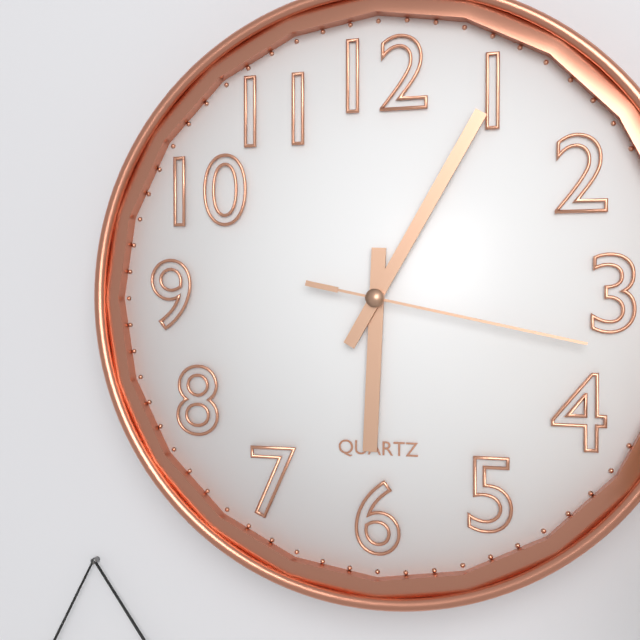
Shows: 6:05:17
